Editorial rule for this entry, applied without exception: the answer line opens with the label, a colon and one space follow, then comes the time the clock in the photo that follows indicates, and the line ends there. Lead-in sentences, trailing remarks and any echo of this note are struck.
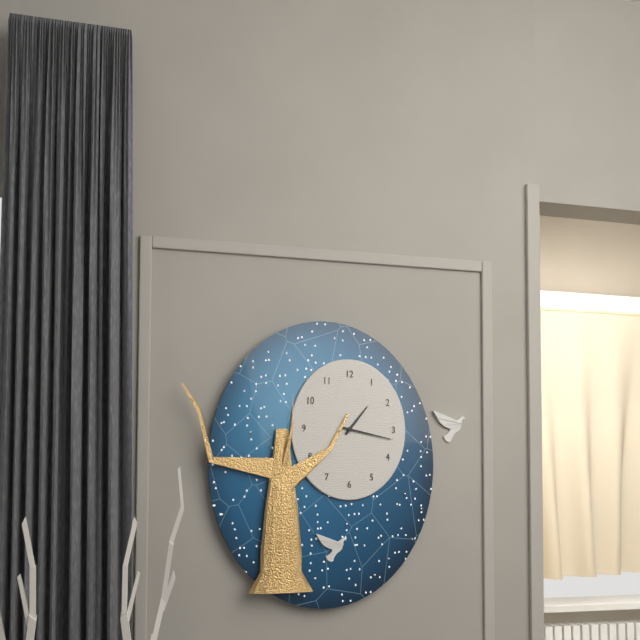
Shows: 1:17
